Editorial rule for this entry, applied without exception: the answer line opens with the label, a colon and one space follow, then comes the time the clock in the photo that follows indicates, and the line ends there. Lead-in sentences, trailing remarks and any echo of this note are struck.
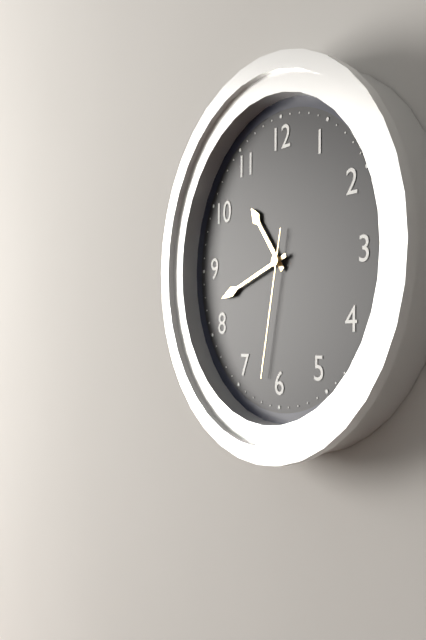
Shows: 10:42:32
